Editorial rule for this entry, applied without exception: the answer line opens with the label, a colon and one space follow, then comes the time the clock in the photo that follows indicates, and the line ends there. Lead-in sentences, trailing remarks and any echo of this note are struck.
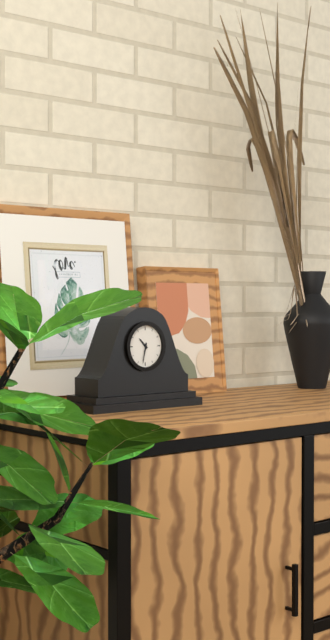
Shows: 10:32
